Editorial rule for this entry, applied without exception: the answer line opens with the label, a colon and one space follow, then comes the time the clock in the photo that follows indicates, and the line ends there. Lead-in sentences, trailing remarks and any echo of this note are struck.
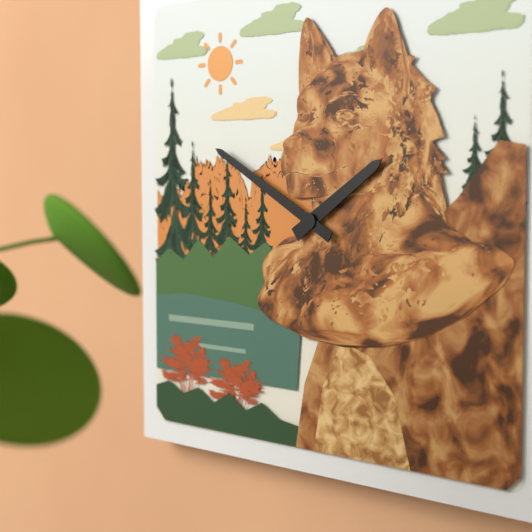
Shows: 1:50
